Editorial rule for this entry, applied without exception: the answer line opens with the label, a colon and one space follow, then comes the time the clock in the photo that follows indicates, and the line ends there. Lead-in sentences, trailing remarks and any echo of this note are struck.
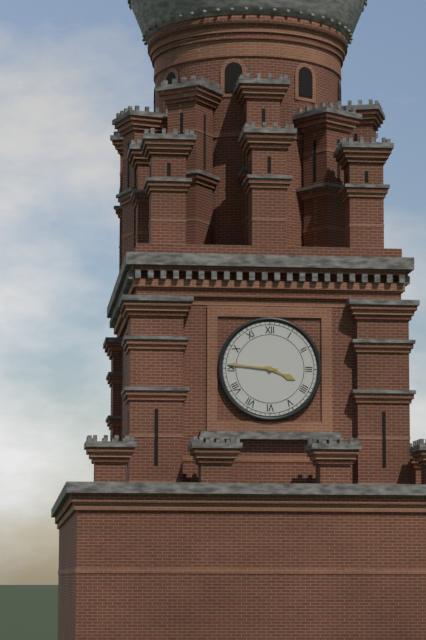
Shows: 3:46
